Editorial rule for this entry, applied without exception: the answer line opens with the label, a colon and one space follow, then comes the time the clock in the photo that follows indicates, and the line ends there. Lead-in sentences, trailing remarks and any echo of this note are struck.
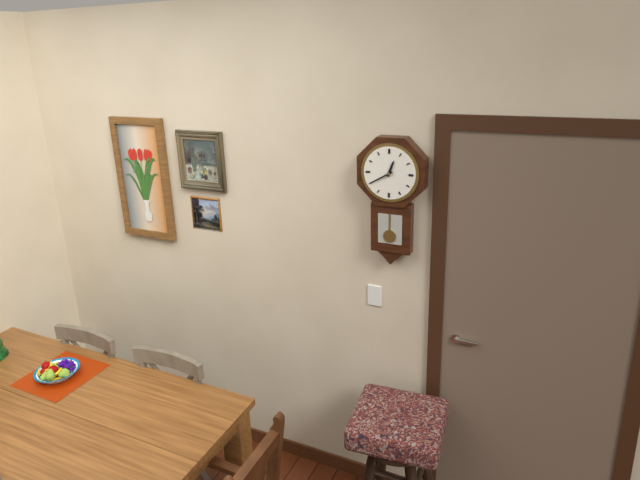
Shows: 12:40
